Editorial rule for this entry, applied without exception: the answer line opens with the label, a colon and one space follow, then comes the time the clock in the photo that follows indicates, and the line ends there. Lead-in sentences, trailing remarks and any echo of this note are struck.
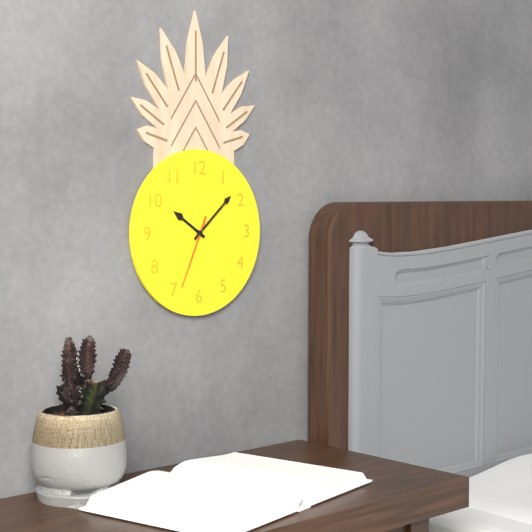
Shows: 10:08:34
